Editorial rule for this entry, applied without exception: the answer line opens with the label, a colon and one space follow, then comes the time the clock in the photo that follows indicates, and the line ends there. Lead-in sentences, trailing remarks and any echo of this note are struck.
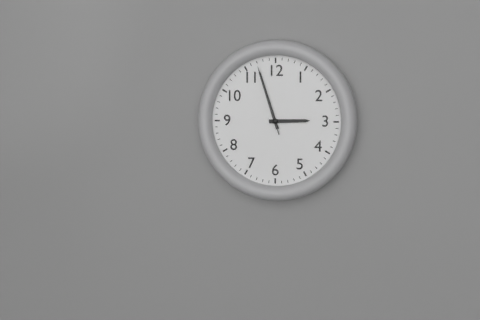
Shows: 2:57:57
